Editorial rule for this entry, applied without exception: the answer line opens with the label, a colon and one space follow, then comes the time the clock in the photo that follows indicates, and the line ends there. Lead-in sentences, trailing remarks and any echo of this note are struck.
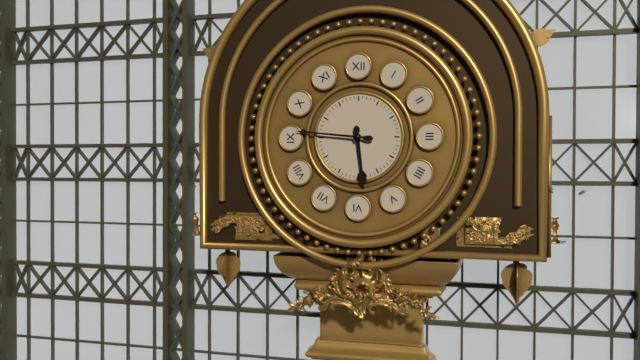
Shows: 5:46
